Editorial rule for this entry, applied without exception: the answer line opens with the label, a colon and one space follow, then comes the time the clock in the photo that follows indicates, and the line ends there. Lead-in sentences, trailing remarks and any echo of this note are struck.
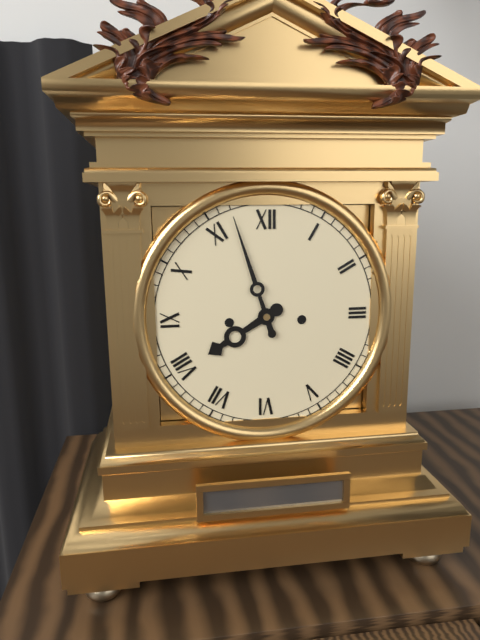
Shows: 7:57
